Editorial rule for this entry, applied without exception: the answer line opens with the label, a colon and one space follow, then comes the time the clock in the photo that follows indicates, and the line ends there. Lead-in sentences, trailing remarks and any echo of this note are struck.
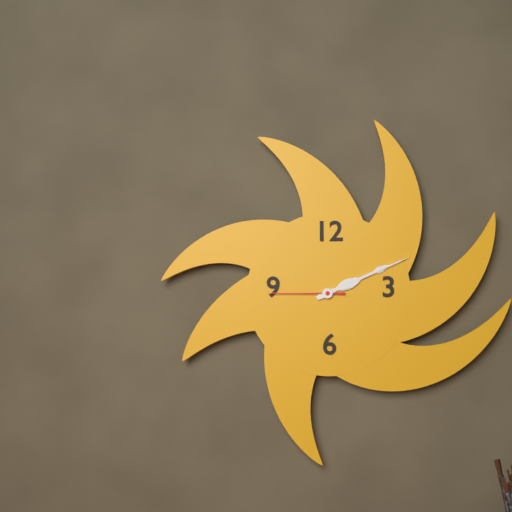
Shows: 2:11:45
